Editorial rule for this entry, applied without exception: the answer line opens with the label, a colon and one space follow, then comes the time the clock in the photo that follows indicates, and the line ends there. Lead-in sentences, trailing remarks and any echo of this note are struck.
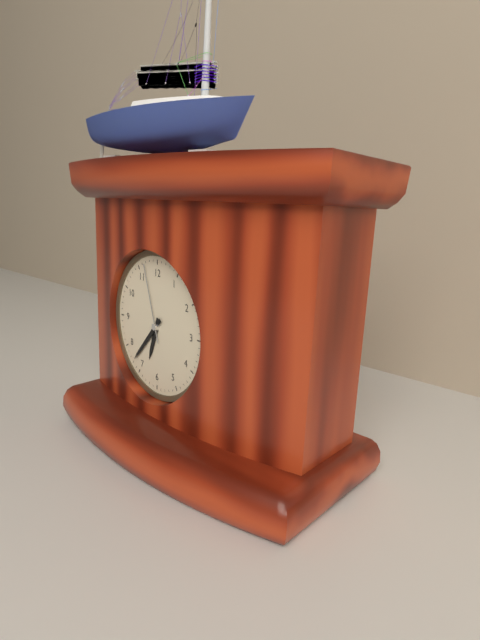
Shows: 6:37:57
